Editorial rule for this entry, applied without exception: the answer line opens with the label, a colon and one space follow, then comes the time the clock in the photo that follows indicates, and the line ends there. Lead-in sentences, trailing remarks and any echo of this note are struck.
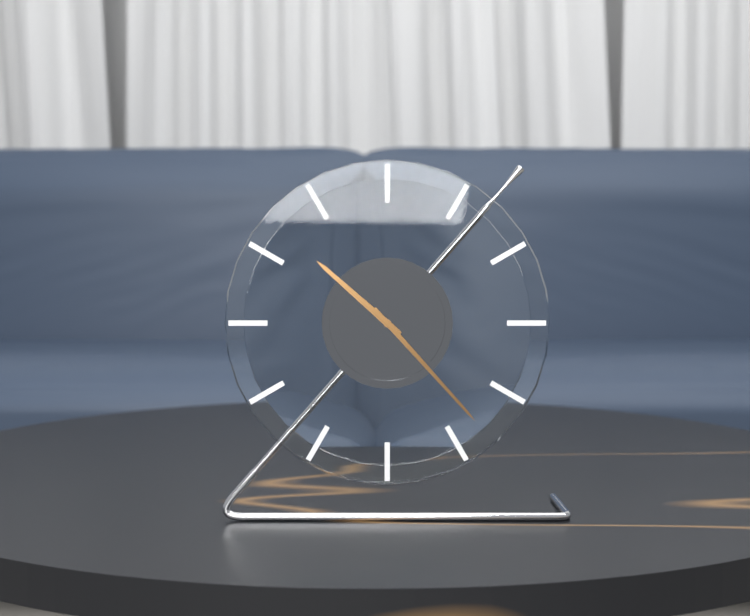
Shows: 10:23
